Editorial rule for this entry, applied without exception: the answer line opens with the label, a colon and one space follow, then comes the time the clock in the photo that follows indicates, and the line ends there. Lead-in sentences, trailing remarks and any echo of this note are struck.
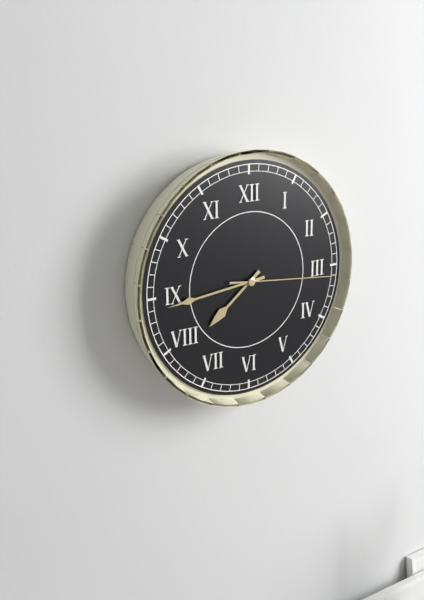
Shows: 7:44:16
